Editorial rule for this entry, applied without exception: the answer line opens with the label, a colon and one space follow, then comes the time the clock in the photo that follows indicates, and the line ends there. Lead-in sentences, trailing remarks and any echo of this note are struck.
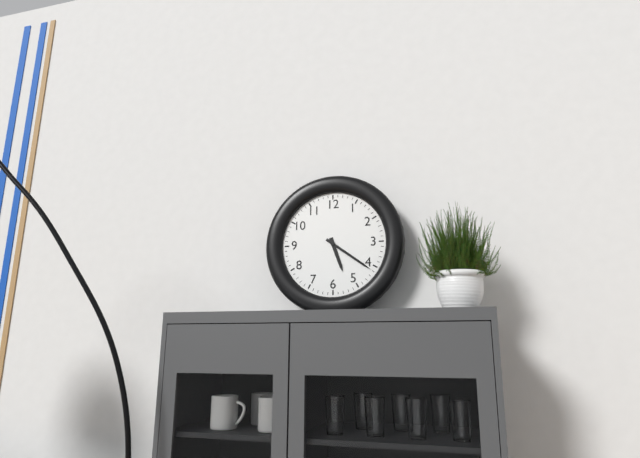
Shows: 5:21
